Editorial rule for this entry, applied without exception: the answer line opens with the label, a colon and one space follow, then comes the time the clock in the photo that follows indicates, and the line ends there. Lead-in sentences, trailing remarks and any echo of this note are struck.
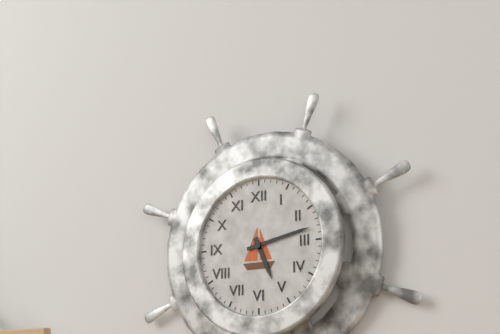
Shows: 5:13
